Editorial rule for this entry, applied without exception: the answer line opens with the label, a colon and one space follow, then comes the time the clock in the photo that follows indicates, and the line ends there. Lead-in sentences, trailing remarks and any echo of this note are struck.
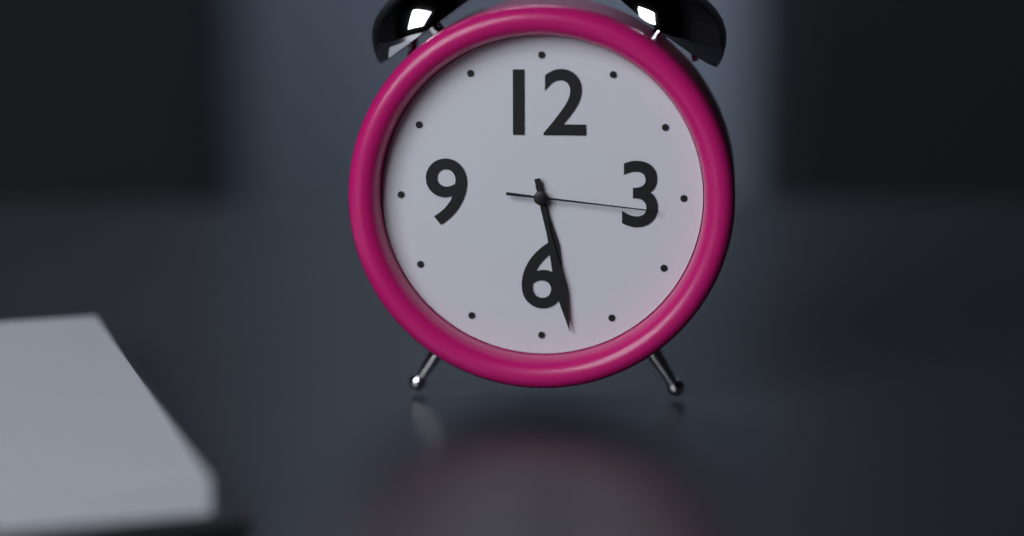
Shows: 5:28:16
